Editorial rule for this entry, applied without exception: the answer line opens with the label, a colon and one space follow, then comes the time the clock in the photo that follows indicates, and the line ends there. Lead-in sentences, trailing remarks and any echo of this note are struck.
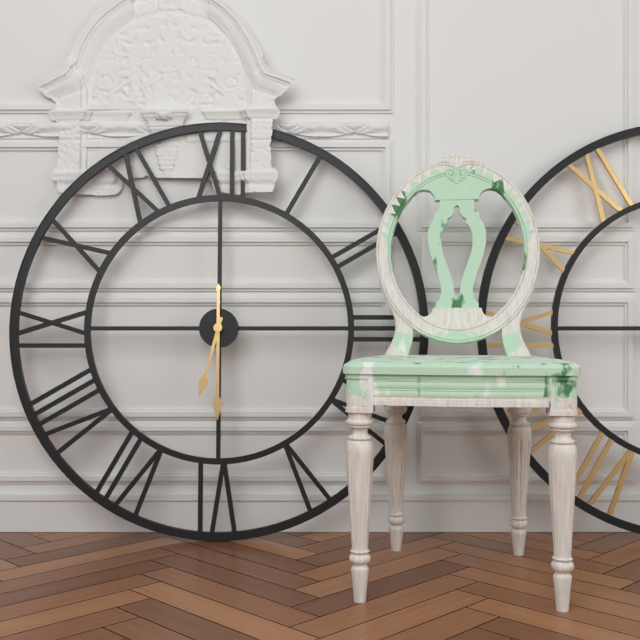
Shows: 6:30
